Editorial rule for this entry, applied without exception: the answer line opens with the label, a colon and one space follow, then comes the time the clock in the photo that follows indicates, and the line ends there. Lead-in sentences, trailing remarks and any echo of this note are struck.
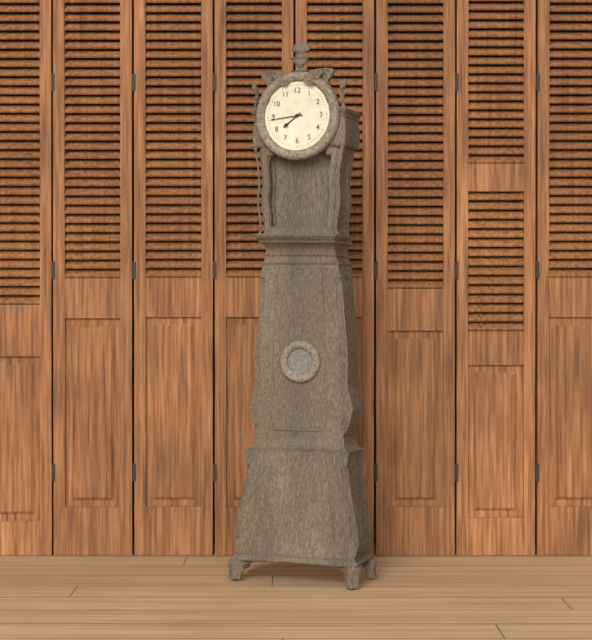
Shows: 7:44
